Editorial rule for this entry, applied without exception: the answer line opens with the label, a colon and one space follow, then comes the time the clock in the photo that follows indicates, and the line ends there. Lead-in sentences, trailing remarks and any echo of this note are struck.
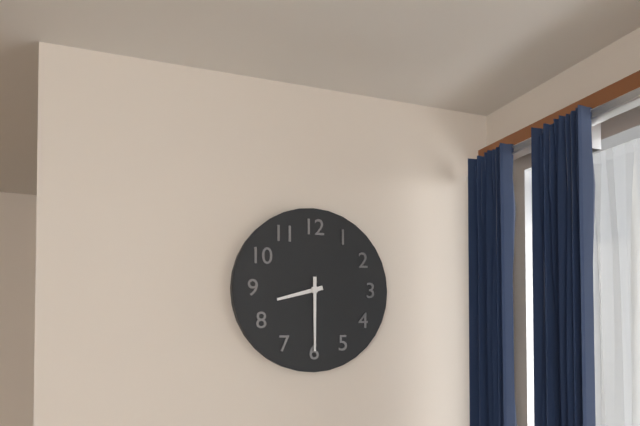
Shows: 8:30
